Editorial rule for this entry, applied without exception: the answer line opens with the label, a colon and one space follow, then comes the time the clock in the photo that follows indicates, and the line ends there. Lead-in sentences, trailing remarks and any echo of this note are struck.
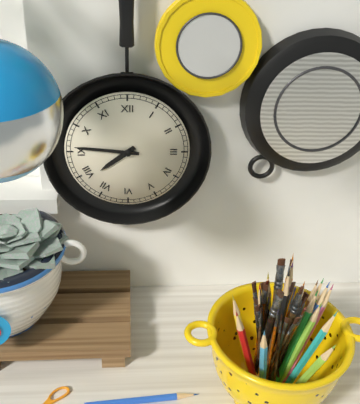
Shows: 7:46
